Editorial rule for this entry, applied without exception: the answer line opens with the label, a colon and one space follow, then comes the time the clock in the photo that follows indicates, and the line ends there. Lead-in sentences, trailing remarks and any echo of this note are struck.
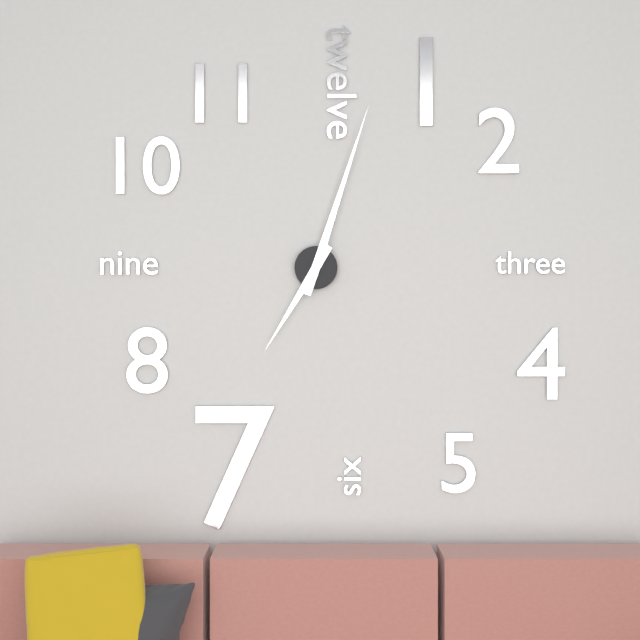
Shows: 7:03
